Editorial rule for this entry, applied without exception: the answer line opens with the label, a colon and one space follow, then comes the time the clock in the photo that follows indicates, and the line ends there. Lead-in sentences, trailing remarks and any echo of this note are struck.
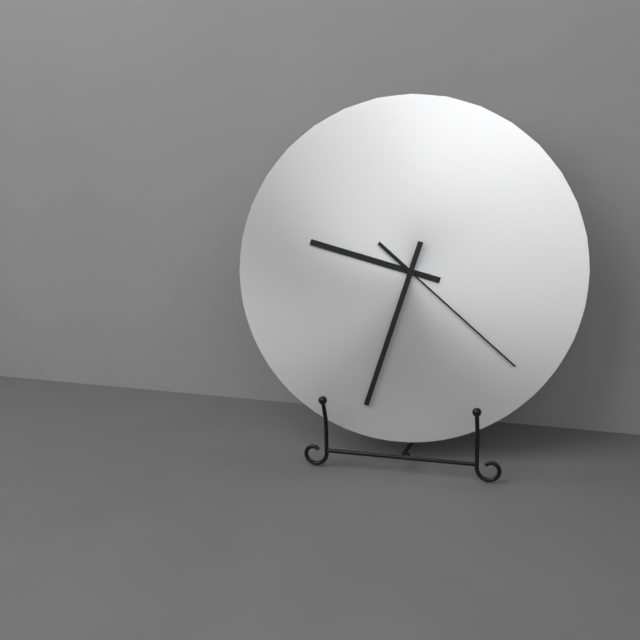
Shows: 9:33:22
